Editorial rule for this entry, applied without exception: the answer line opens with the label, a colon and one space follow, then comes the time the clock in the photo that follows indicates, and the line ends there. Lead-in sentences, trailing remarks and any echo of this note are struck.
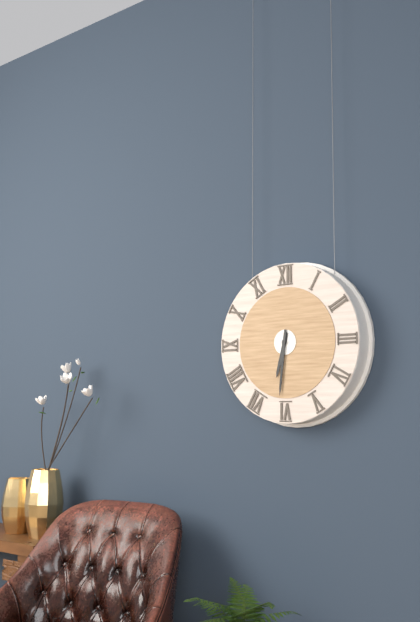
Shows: 6:31
